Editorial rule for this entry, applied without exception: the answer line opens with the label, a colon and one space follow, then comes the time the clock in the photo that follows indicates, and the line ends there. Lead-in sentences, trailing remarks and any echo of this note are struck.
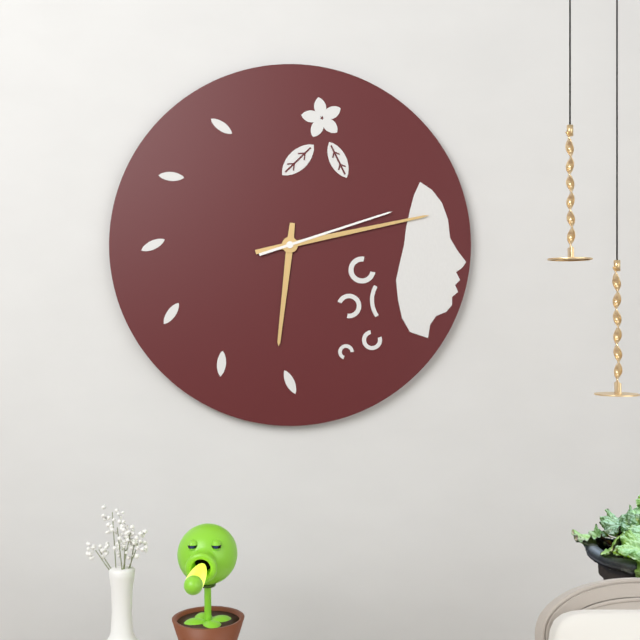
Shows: 6:13:12
